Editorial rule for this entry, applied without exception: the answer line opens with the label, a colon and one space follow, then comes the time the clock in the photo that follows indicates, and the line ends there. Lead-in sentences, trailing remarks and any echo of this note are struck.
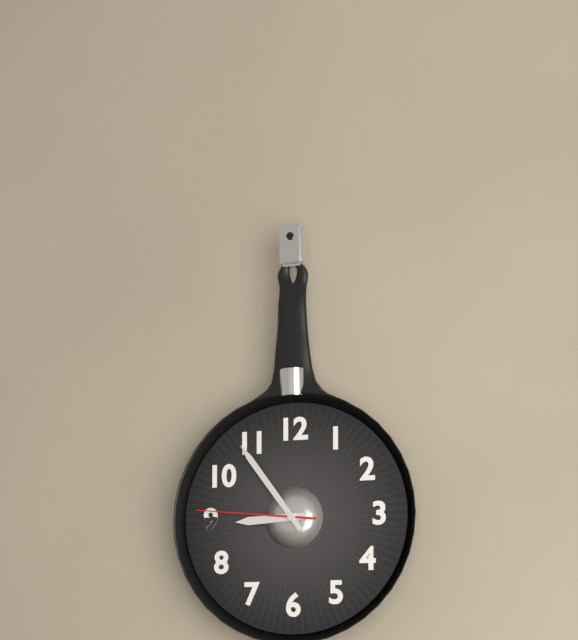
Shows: 8:54:46
